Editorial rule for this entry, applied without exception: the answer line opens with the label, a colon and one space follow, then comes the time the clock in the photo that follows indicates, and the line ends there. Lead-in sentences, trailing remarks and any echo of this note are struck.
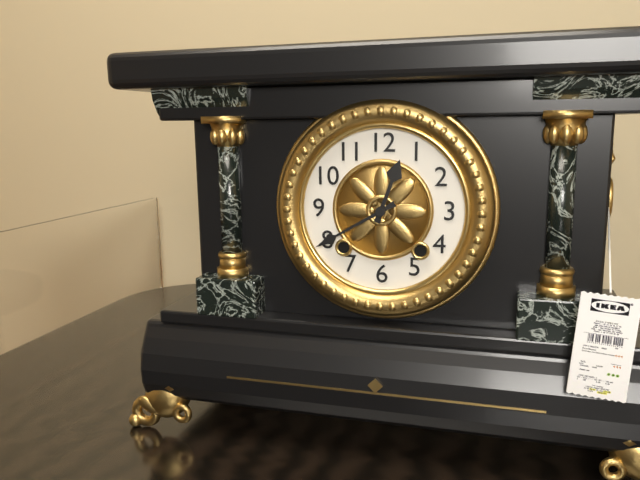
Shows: 12:40
